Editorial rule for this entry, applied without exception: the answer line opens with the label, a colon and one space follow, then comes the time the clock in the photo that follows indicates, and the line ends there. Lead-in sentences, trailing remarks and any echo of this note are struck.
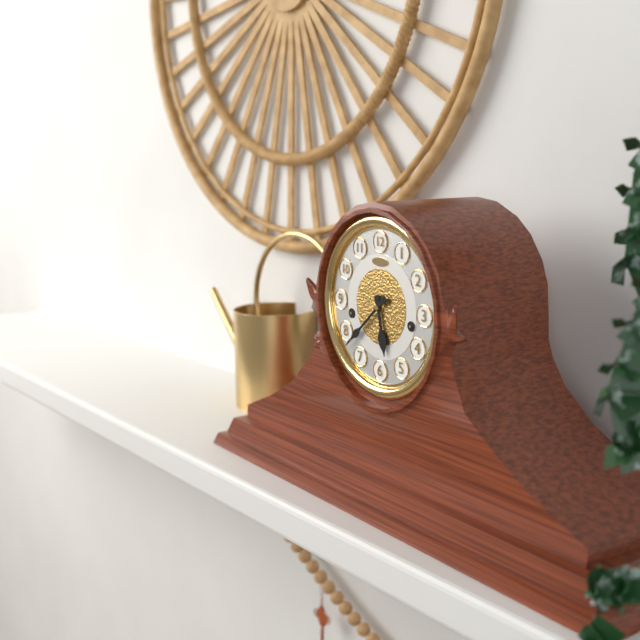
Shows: 5:38
